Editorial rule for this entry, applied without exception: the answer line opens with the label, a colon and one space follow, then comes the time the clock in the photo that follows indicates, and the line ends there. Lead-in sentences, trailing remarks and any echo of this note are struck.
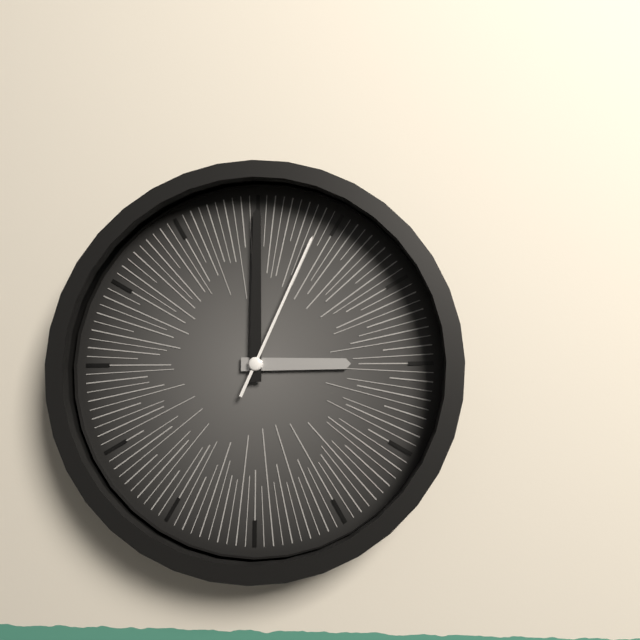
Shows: 3:00:04
